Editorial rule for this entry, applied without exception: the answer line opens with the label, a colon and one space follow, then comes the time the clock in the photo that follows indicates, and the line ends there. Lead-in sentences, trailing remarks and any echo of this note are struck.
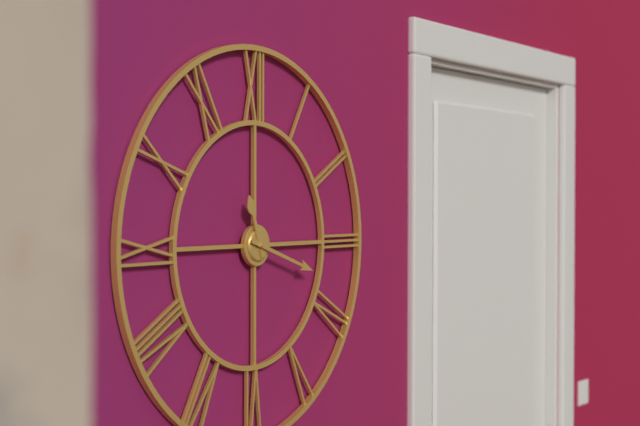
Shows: 11:18
